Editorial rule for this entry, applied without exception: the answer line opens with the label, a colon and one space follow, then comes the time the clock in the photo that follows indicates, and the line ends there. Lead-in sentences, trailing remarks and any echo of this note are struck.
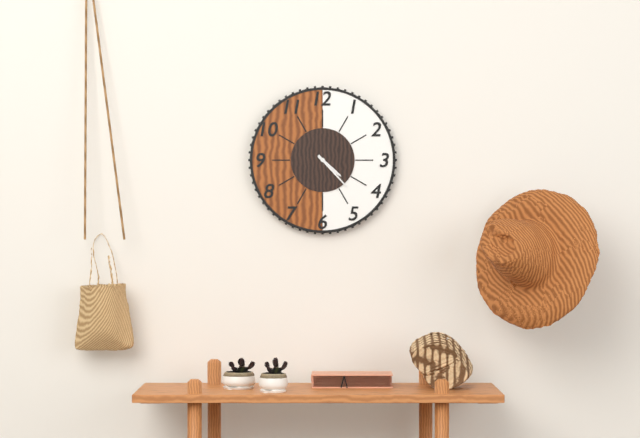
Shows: 4:23
